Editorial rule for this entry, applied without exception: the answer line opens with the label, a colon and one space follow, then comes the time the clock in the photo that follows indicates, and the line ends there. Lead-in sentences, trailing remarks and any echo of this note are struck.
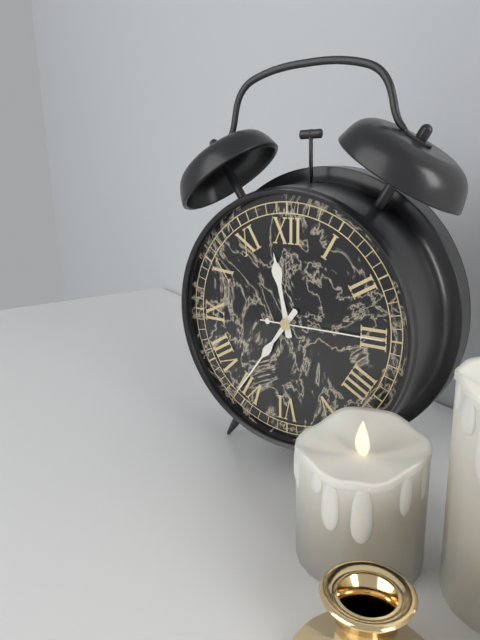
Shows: 11:36:15
